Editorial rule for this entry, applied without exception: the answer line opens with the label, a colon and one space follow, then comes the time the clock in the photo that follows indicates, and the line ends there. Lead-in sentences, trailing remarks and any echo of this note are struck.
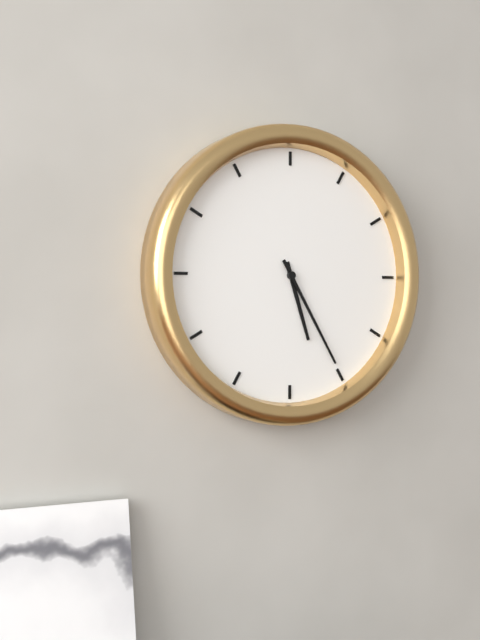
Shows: 5:25
